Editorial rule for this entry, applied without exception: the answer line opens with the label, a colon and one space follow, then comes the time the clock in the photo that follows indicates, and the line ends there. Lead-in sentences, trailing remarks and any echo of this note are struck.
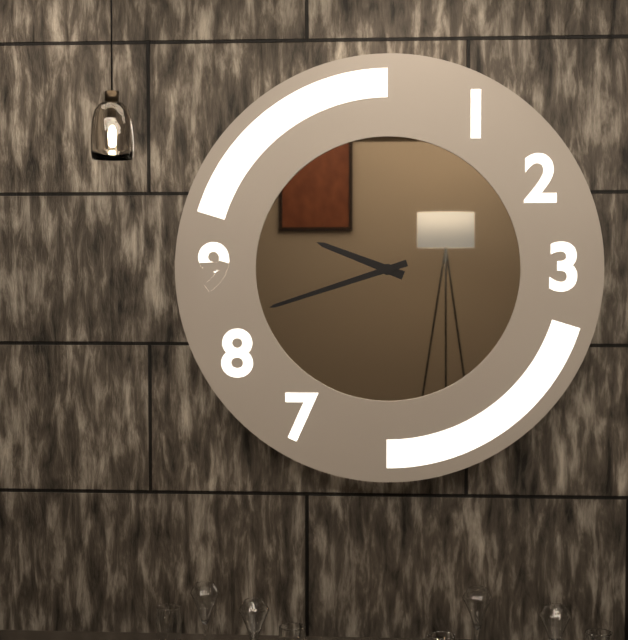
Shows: 9:42
